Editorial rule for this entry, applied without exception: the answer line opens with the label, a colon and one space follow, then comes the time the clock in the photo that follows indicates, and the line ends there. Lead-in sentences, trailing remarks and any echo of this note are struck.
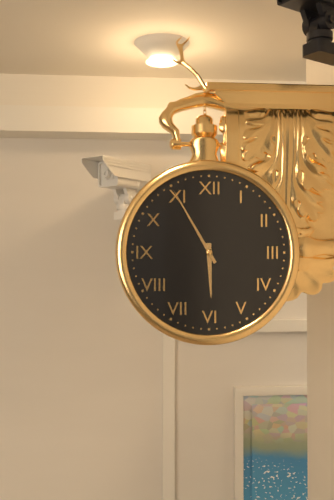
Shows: 5:55
